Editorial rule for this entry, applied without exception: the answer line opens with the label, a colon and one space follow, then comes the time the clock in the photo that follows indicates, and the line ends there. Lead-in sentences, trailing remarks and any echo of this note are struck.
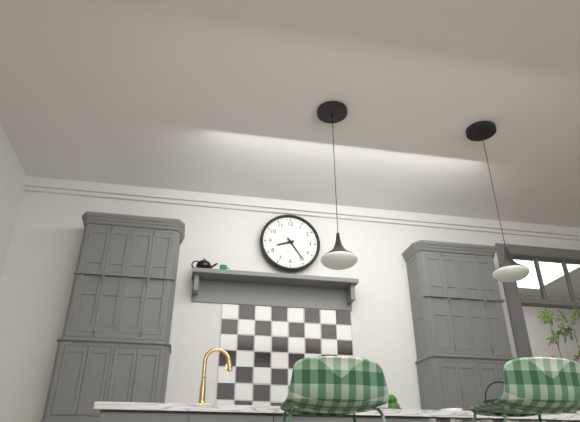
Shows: 8:24
